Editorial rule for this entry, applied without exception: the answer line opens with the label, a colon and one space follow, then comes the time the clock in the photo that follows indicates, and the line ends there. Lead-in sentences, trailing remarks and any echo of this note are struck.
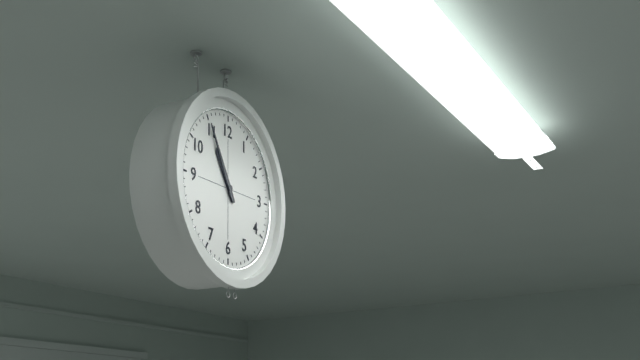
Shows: 10:55
